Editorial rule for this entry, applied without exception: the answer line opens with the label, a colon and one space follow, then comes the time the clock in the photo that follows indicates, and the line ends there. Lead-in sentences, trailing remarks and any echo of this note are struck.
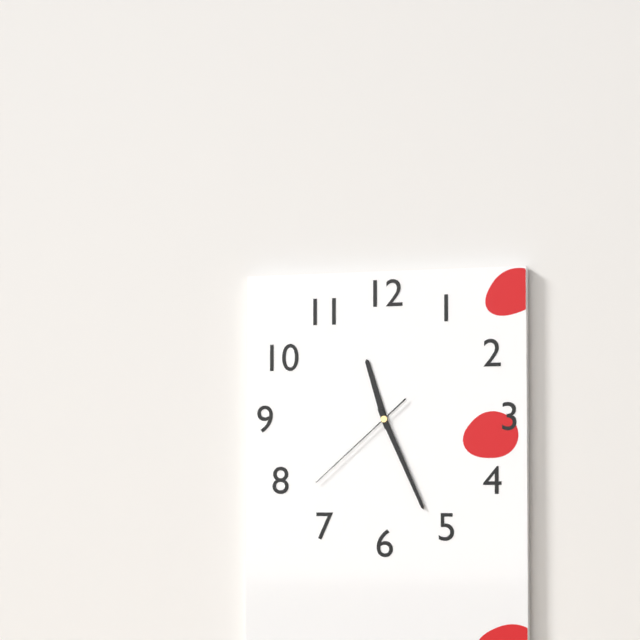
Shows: 11:26:38
